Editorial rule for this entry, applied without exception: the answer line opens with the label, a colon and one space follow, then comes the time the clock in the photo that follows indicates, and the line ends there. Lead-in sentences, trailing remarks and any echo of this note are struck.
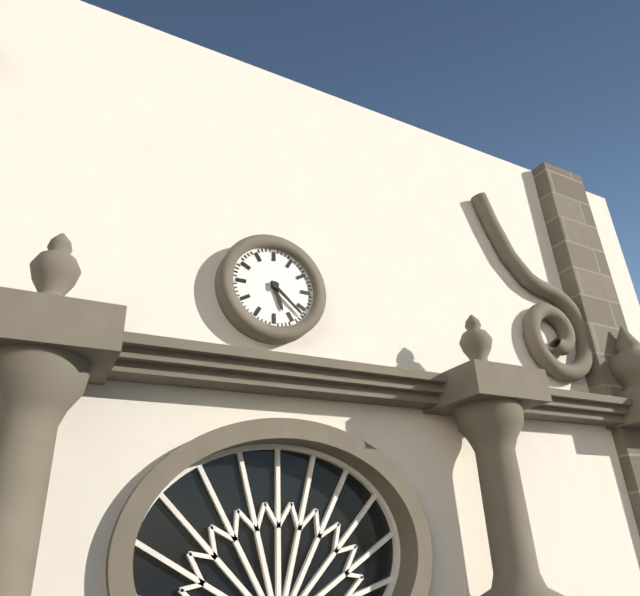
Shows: 5:22
